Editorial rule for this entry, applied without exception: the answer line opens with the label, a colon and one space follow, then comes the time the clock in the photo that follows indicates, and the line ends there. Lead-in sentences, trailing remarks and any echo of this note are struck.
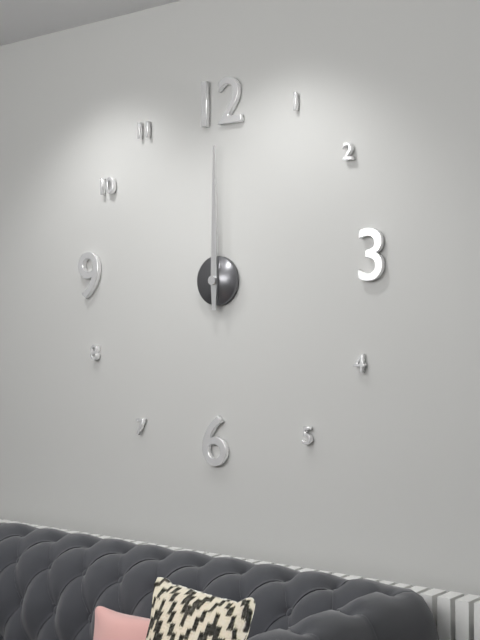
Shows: 12:00
